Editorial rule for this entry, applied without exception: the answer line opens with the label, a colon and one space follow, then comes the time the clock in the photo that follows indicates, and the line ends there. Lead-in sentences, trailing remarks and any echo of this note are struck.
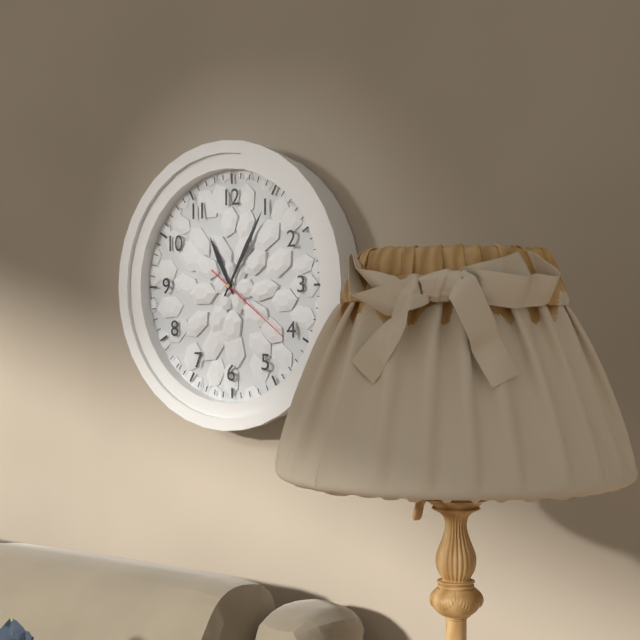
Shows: 11:05:21
